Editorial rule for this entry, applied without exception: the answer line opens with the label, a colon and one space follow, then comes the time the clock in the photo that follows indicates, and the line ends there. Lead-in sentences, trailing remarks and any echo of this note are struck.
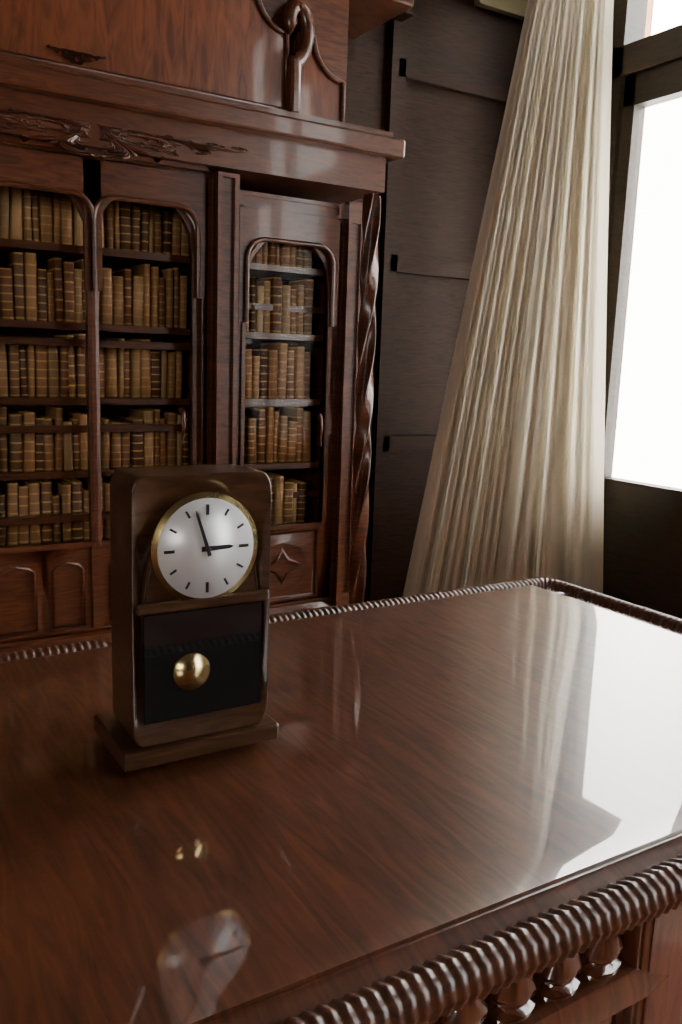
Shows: 2:57
